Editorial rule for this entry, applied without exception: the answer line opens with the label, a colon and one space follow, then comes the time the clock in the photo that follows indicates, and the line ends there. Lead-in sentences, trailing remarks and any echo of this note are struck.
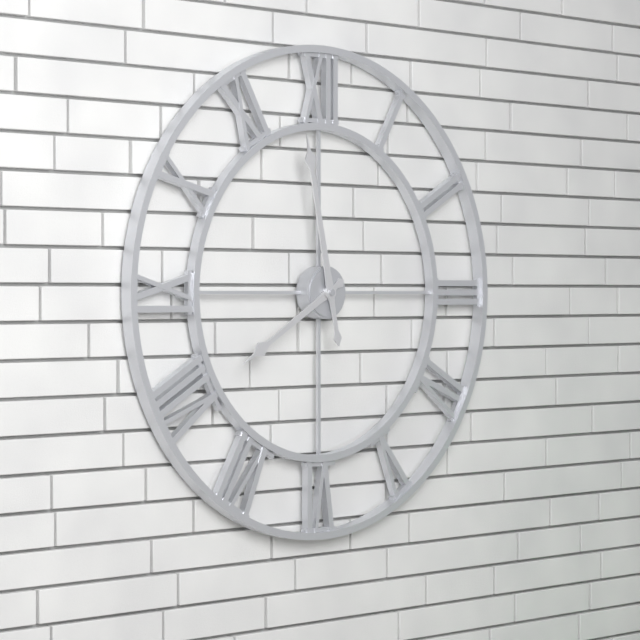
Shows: 7:58
